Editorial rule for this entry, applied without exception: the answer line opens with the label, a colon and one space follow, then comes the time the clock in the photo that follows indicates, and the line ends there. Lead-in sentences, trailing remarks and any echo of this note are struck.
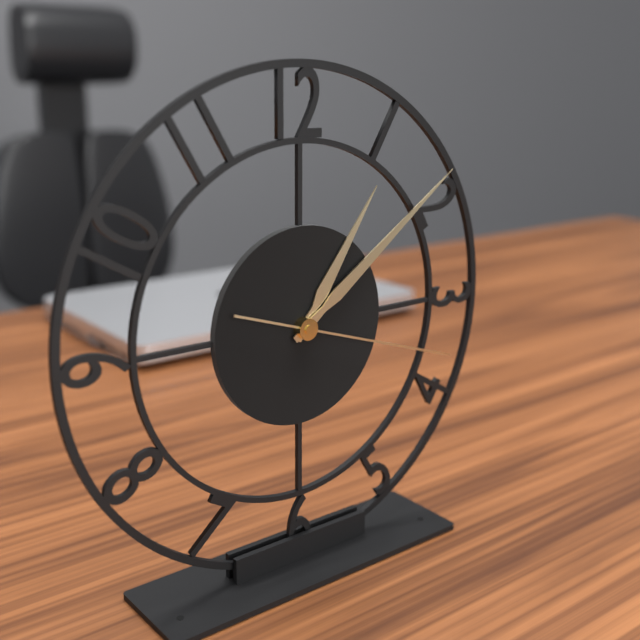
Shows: 1:09:18
